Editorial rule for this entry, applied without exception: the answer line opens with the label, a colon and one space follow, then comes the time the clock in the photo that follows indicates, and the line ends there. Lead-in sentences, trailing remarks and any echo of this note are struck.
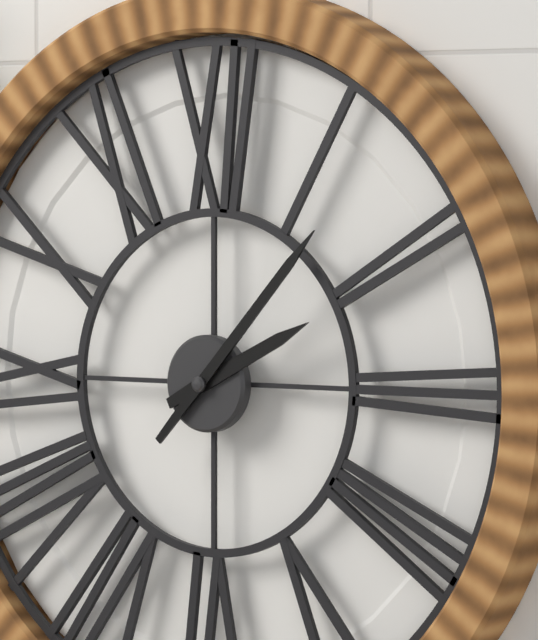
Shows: 2:07
